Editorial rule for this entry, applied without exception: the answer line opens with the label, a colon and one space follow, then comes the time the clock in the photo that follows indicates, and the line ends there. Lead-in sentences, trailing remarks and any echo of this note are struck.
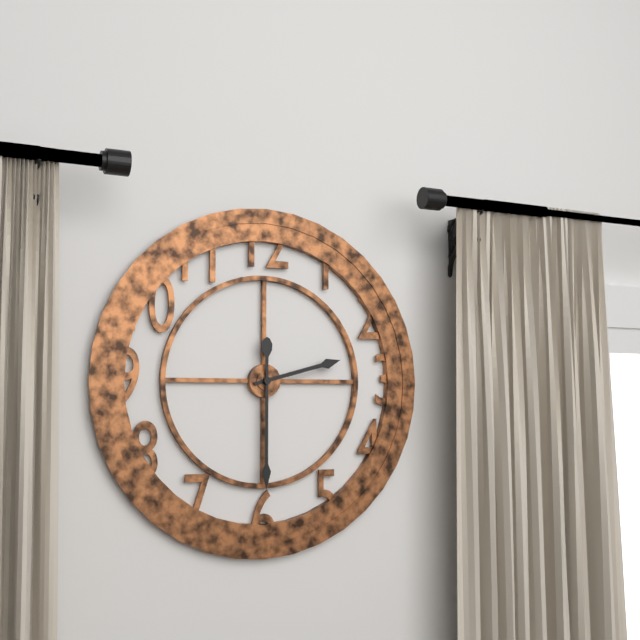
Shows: 2:30
